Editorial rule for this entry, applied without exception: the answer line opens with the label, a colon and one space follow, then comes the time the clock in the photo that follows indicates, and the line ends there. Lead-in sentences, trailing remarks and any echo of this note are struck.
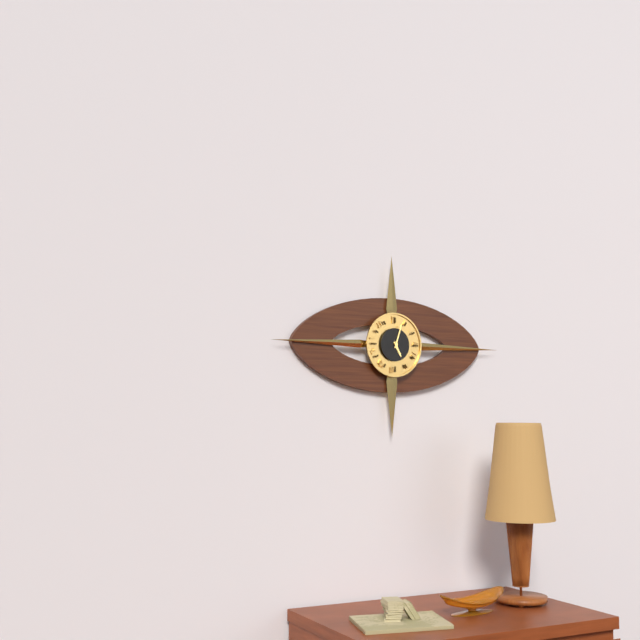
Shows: 5:03
